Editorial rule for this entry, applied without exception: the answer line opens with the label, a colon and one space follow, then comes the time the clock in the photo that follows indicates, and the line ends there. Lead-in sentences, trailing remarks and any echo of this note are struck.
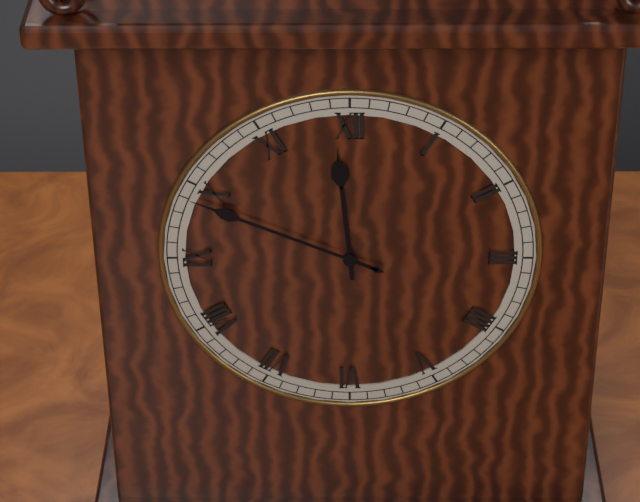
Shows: 11:49
